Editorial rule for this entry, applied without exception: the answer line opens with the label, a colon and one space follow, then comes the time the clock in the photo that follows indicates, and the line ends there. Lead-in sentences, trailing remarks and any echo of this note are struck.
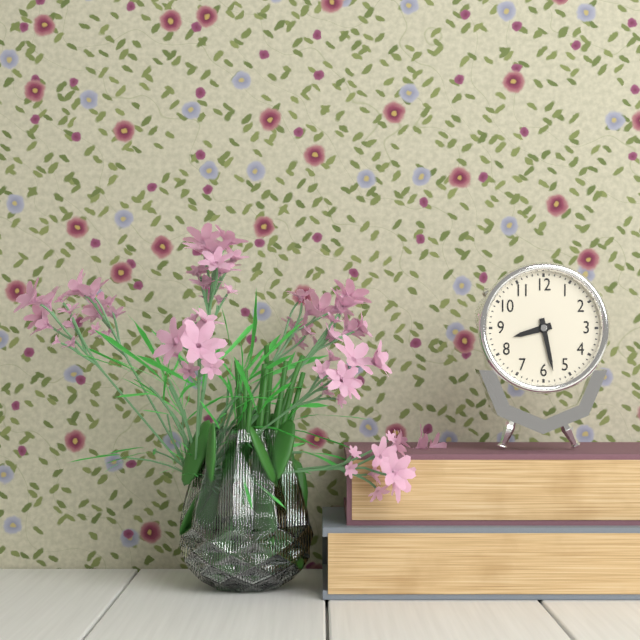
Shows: 8:28
